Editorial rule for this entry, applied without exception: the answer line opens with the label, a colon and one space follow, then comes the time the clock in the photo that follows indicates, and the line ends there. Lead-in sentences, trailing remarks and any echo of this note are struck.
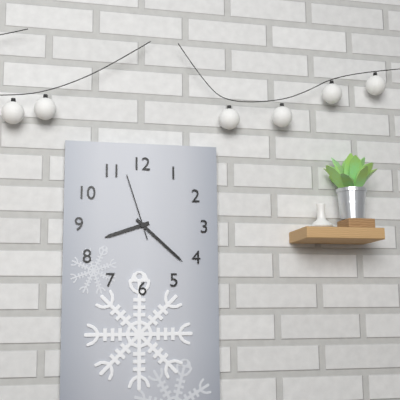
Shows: 8:22:57
